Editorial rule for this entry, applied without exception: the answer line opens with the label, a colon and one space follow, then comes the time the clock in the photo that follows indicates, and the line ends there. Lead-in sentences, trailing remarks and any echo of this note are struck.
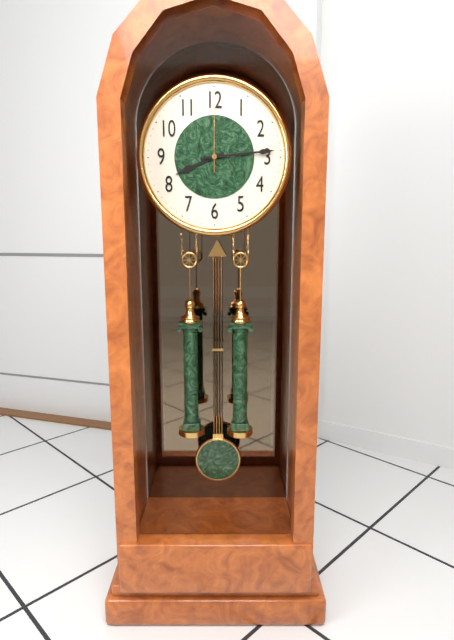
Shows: 8:14:00
